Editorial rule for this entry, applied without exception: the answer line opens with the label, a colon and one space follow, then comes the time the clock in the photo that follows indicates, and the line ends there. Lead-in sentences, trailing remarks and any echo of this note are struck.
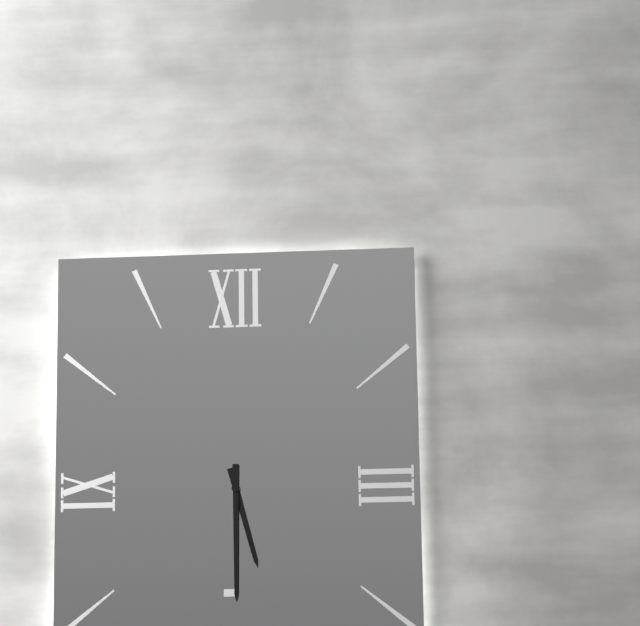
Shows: 5:30
